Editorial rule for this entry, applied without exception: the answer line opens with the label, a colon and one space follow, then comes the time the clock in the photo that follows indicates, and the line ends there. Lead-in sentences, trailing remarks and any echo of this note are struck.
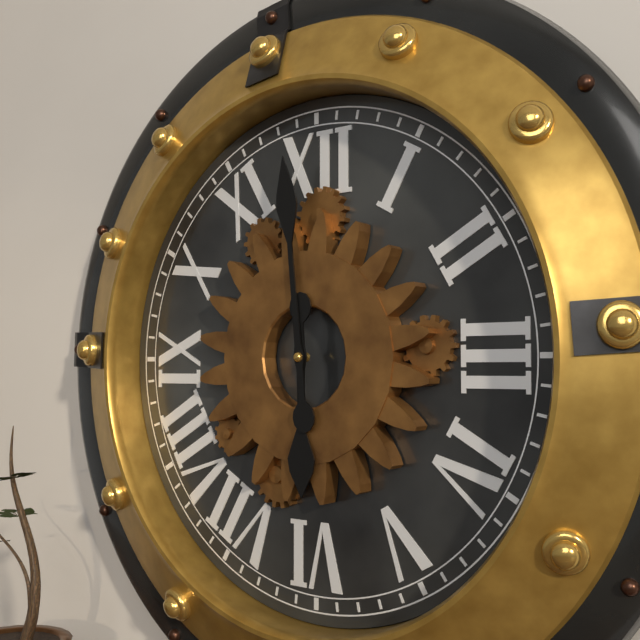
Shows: 5:59
